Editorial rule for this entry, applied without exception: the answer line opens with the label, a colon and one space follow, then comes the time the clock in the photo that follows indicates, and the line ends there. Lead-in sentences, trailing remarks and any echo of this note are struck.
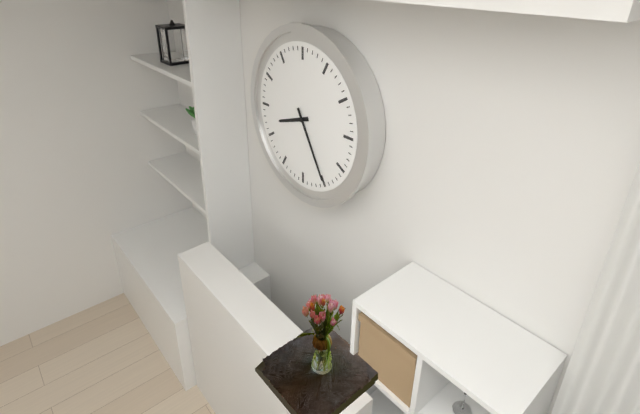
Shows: 8:25
